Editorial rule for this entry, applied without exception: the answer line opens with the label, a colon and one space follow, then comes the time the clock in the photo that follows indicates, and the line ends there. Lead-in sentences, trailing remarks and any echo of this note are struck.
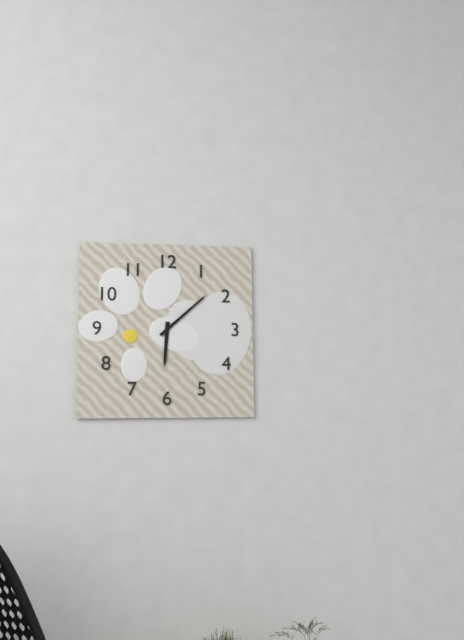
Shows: 6:08
